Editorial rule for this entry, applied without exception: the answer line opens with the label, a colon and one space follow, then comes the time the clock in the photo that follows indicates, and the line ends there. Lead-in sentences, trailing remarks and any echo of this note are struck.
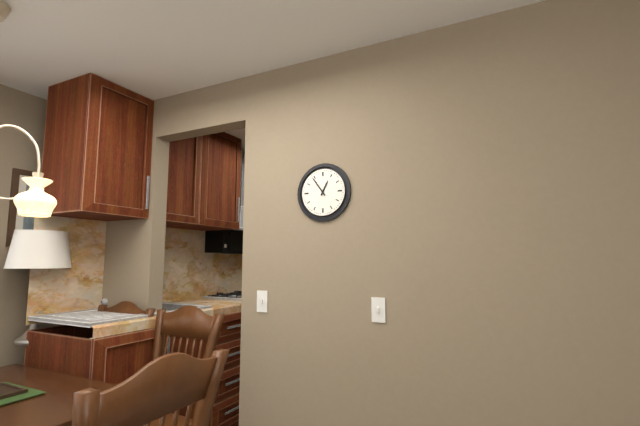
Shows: 12:54
